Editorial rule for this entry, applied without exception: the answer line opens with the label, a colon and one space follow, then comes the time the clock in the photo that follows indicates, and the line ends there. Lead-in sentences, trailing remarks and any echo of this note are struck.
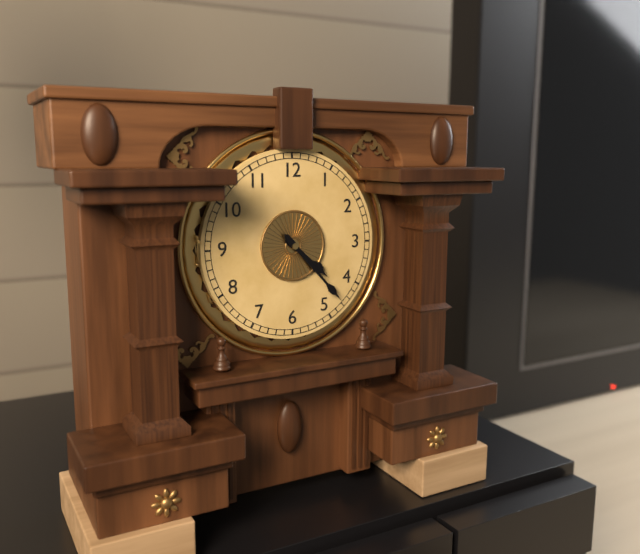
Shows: 4:23
